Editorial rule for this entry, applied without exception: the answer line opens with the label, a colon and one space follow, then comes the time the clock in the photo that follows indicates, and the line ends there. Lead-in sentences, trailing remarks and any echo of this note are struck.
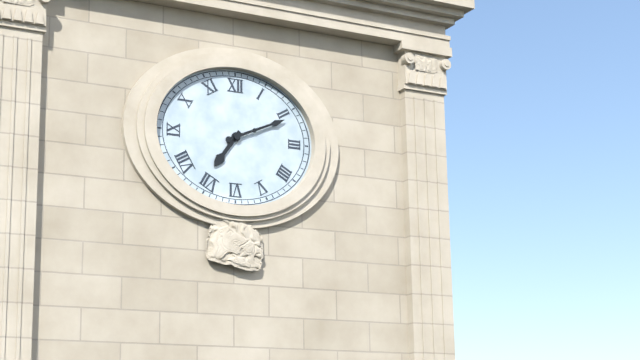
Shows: 7:11
